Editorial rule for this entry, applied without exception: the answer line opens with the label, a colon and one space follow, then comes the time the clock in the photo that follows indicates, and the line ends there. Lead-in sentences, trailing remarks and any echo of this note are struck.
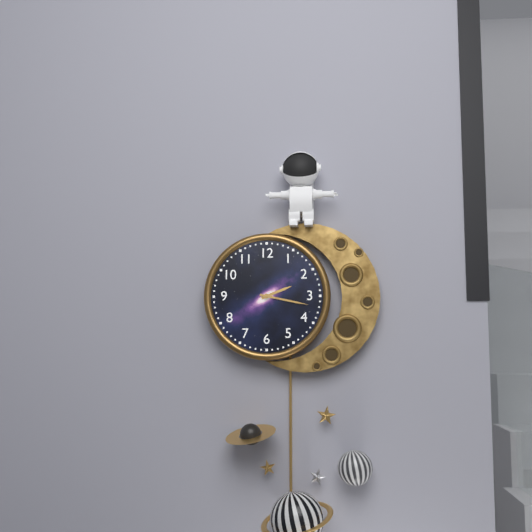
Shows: 2:17
